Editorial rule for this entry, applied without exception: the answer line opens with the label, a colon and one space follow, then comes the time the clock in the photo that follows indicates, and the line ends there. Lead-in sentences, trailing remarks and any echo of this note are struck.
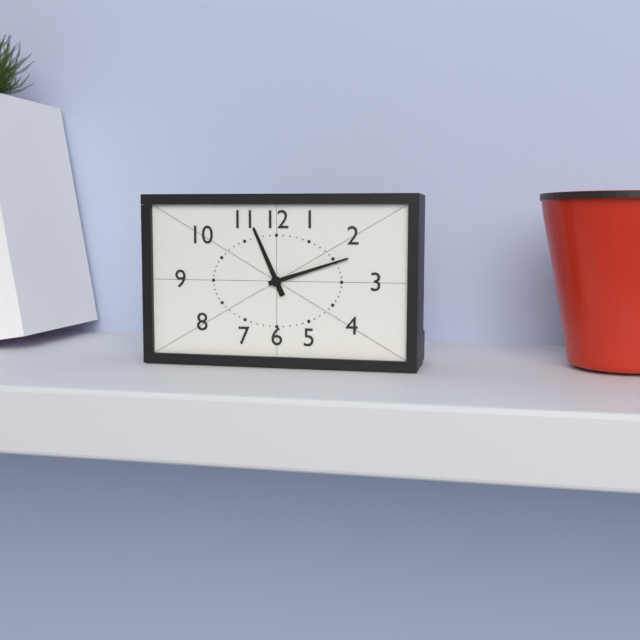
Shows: 11:12
